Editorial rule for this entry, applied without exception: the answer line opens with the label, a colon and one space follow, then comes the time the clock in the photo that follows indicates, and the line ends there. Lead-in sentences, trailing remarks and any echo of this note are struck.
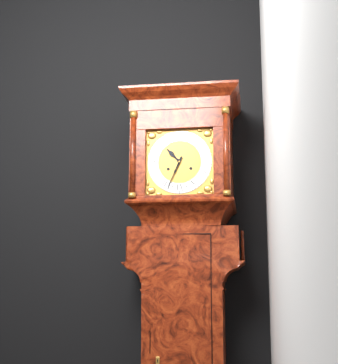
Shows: 10:34
